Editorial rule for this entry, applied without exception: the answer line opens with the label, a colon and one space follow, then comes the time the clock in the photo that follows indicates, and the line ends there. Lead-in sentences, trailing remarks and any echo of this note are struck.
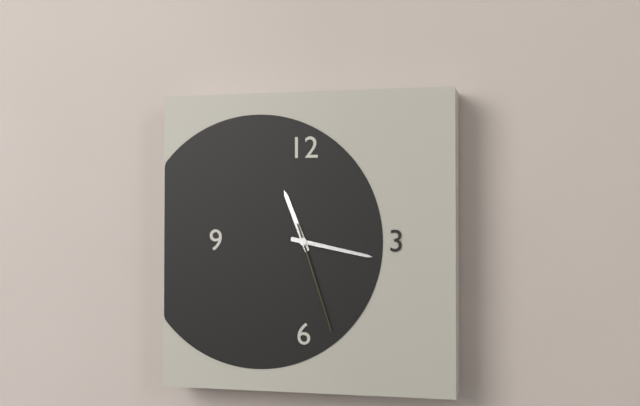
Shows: 11:17:27
